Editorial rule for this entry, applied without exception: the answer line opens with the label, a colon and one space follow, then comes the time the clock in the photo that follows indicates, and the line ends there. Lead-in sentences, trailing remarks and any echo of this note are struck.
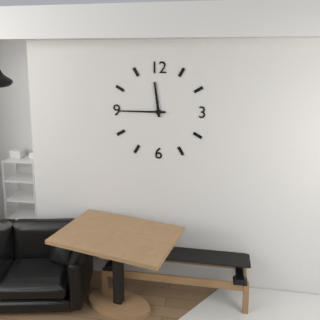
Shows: 11:45
